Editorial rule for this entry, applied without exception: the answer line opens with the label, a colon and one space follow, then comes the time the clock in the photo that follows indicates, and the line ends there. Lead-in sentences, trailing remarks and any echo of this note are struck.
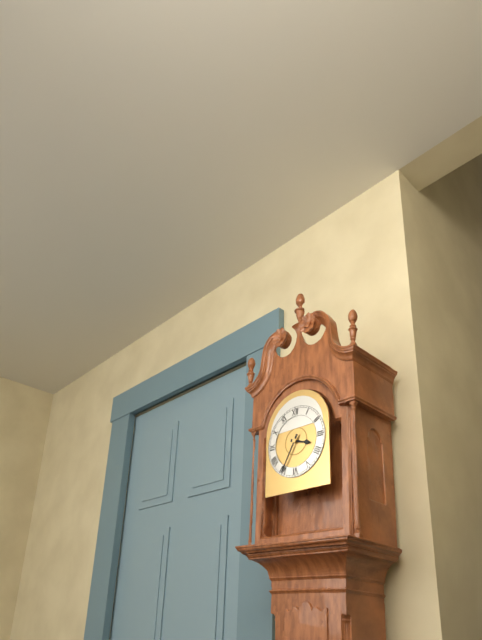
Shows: 3:35
